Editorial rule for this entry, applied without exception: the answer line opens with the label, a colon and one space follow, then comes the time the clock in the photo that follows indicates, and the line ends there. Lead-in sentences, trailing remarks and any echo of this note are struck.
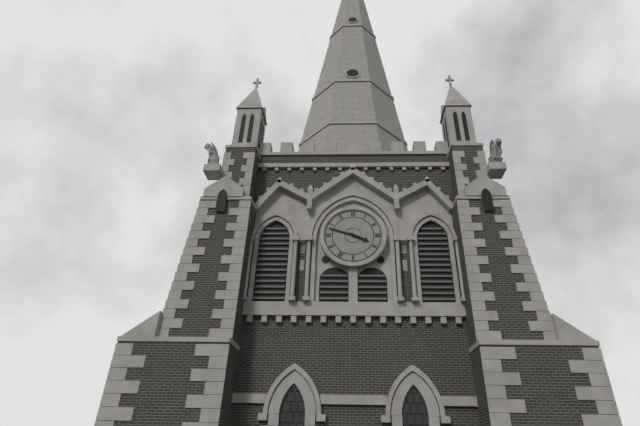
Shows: 3:48
